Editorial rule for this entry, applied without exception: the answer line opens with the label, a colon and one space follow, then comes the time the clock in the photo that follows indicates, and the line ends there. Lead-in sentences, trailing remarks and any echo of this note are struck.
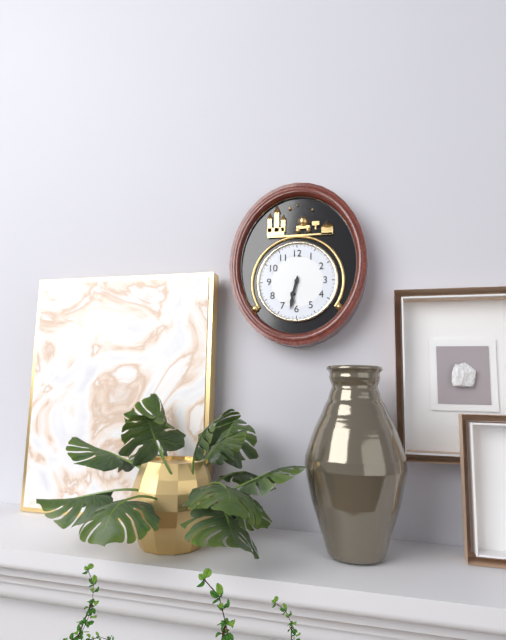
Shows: 6:32
